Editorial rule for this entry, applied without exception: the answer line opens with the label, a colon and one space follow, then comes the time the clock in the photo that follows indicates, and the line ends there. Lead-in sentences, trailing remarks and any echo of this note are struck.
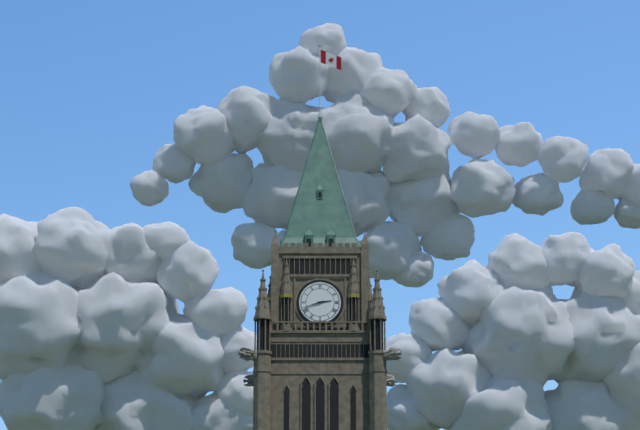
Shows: 2:42
